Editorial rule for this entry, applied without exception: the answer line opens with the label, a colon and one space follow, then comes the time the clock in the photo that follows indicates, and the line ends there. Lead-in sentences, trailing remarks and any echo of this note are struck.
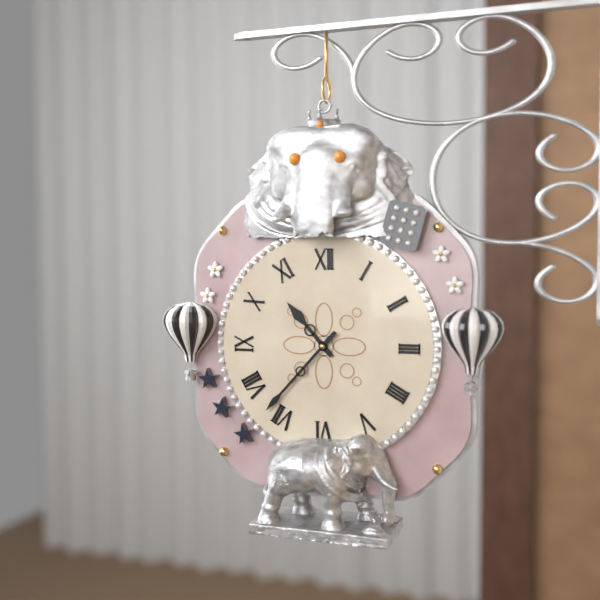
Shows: 10:37
